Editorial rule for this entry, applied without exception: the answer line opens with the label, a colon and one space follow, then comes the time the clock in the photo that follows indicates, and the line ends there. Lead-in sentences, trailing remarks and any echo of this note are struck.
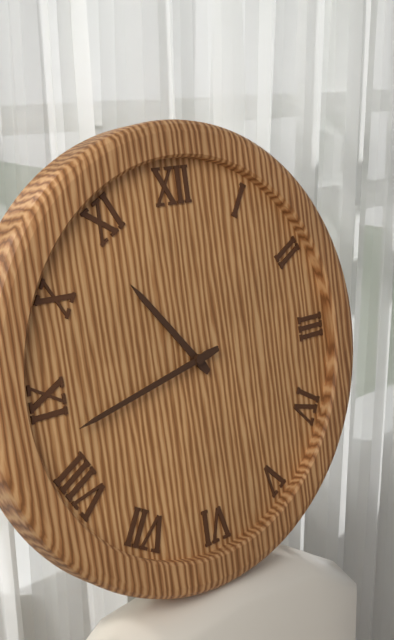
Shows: 10:43
